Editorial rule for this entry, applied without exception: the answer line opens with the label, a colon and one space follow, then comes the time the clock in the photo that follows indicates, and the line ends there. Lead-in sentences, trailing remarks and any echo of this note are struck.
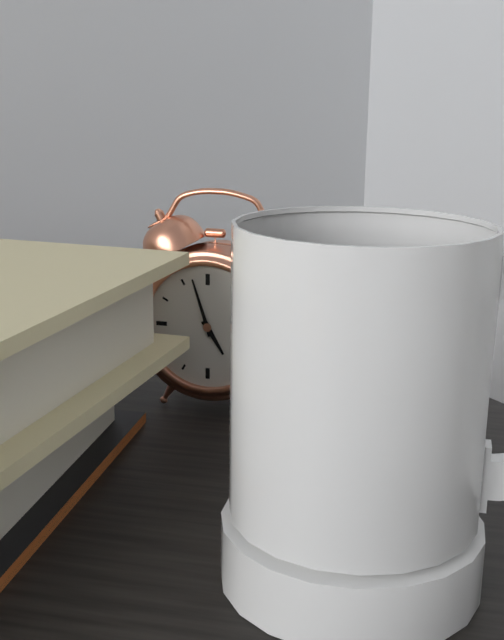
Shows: 4:57
